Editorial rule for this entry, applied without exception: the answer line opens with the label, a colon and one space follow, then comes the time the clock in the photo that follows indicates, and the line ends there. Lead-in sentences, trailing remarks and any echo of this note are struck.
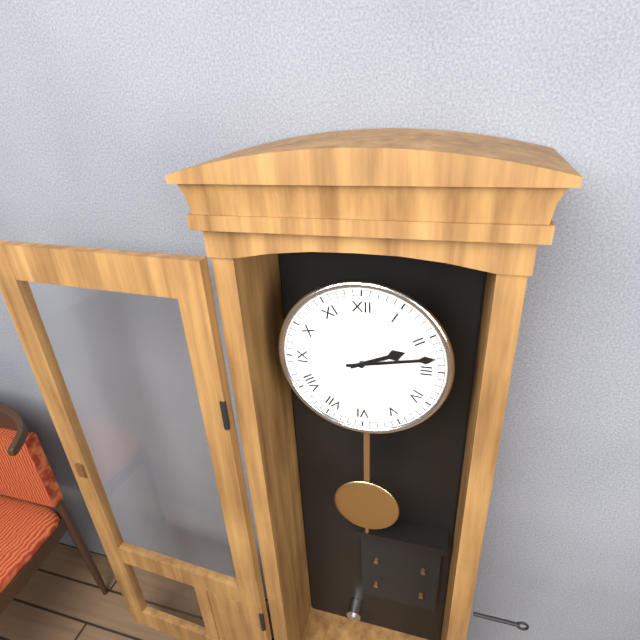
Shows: 2:13
